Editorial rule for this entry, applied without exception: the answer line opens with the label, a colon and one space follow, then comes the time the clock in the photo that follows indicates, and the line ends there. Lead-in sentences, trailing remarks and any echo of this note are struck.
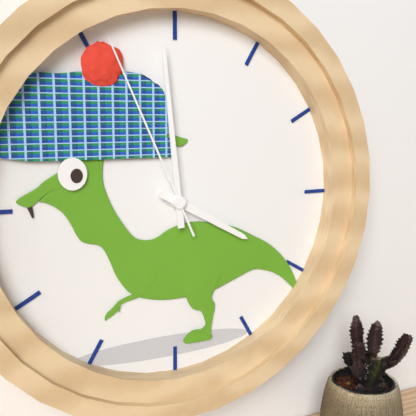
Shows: 3:59:56
